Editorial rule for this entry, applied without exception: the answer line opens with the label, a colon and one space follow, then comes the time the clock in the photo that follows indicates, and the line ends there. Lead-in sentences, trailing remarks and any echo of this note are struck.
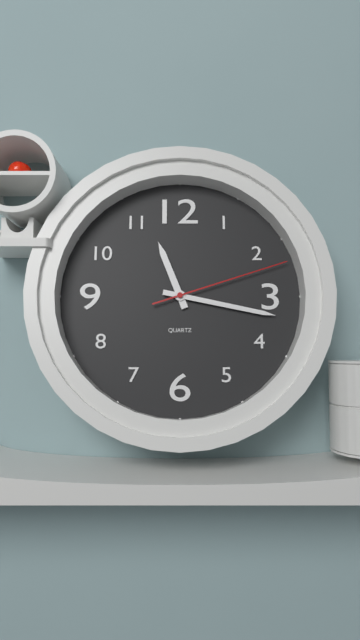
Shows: 11:17:12
